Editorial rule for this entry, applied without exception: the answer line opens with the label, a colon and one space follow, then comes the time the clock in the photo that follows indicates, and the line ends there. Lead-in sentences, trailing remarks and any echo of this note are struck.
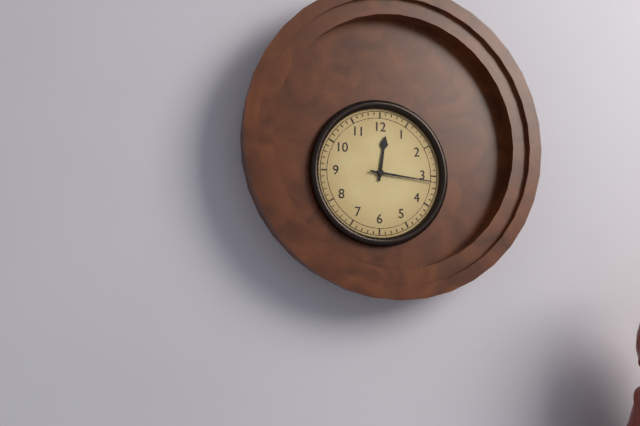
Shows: 12:16
